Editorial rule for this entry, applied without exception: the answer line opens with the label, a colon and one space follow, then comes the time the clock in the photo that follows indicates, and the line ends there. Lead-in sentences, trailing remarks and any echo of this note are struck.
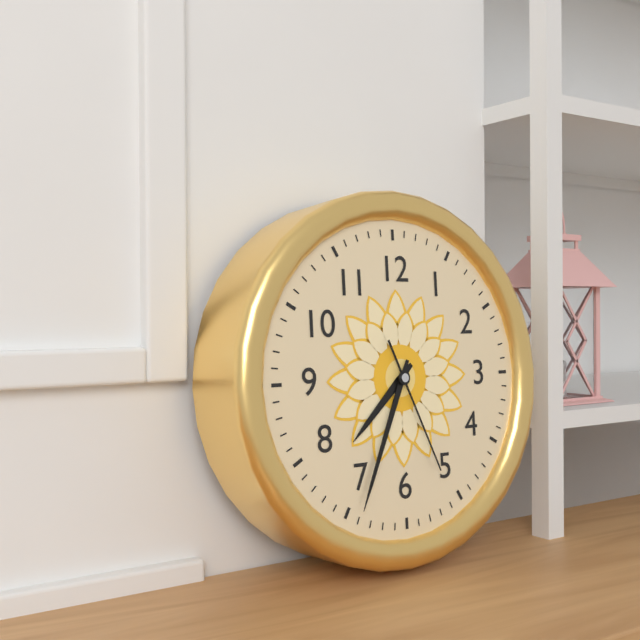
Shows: 7:34:26
